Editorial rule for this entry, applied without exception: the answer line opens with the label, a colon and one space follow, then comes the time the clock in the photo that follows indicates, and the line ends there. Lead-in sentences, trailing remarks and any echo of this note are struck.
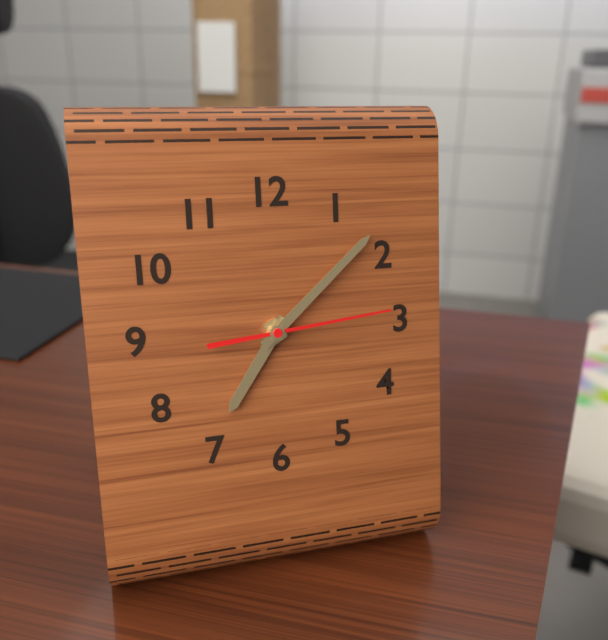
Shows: 7:08:14
